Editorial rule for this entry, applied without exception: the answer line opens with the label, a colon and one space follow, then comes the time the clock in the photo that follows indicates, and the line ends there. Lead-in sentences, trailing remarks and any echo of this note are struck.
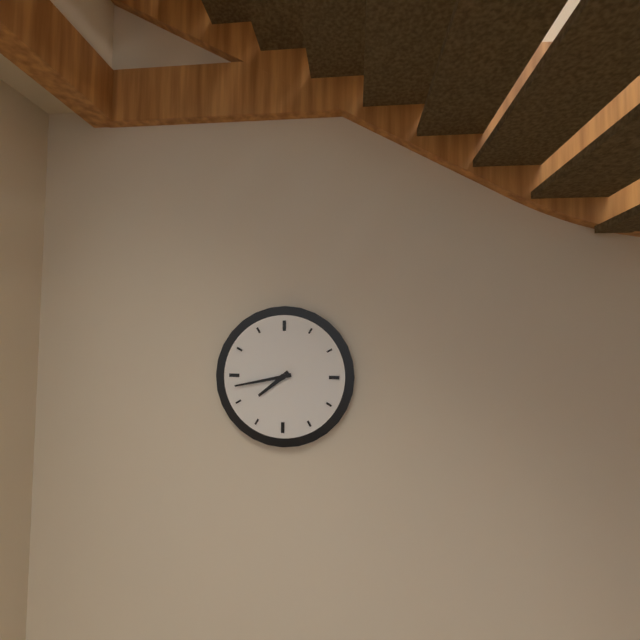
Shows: 7:43
